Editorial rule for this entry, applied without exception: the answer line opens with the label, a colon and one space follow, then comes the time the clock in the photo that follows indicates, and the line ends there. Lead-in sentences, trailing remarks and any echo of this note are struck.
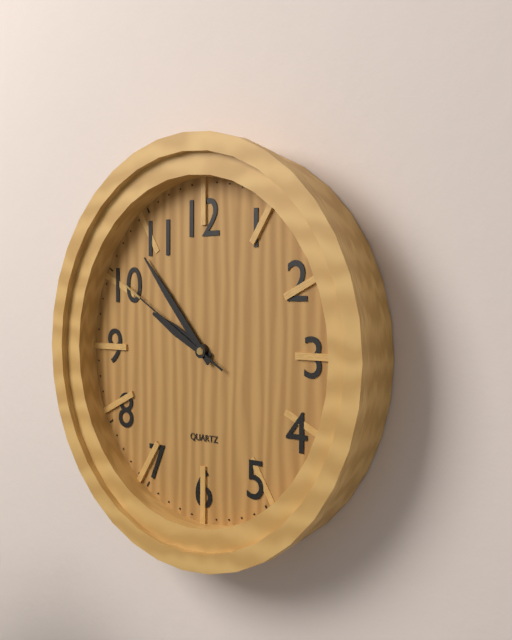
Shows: 9:53:50
